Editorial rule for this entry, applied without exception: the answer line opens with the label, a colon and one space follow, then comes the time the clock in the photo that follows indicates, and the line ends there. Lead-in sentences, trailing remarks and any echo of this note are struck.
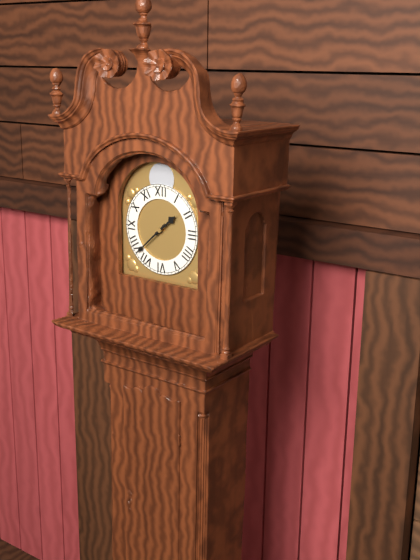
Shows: 1:38
